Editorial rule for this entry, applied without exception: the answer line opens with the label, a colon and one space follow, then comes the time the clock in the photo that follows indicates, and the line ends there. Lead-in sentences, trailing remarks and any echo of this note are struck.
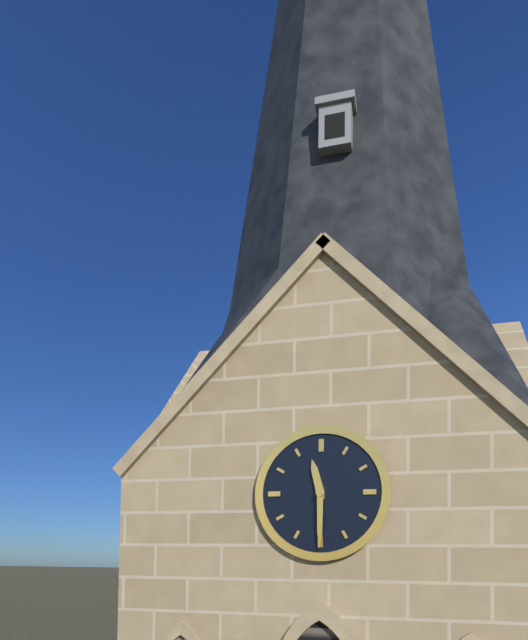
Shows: 11:30
